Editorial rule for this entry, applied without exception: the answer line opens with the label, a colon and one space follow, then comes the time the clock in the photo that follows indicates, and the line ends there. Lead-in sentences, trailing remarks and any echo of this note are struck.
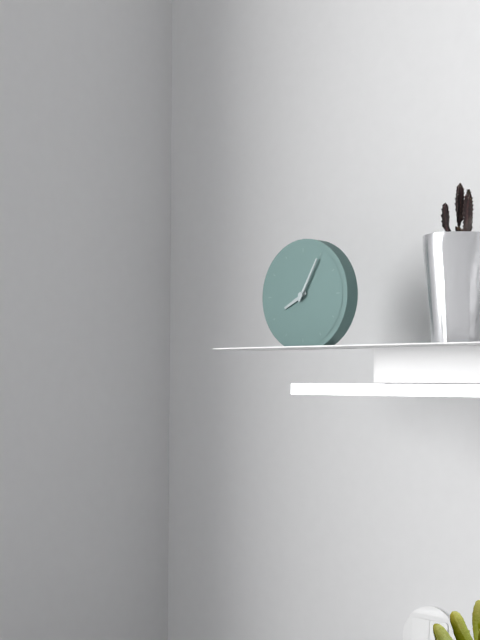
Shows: 8:05
